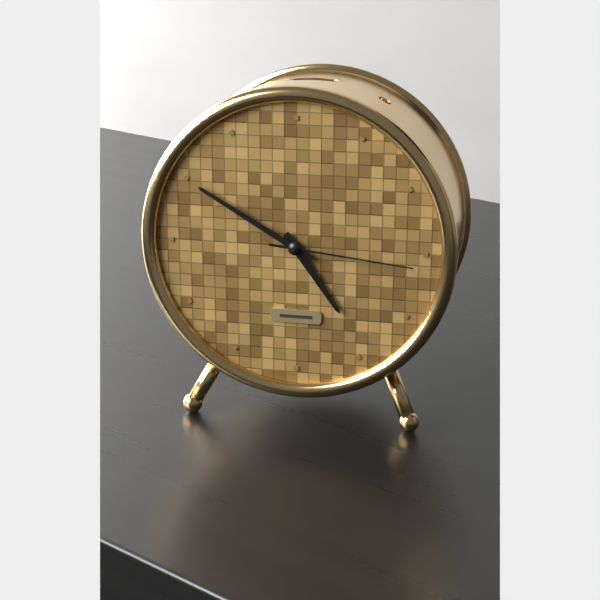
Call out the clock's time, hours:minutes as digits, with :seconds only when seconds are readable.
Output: 4:50:16
